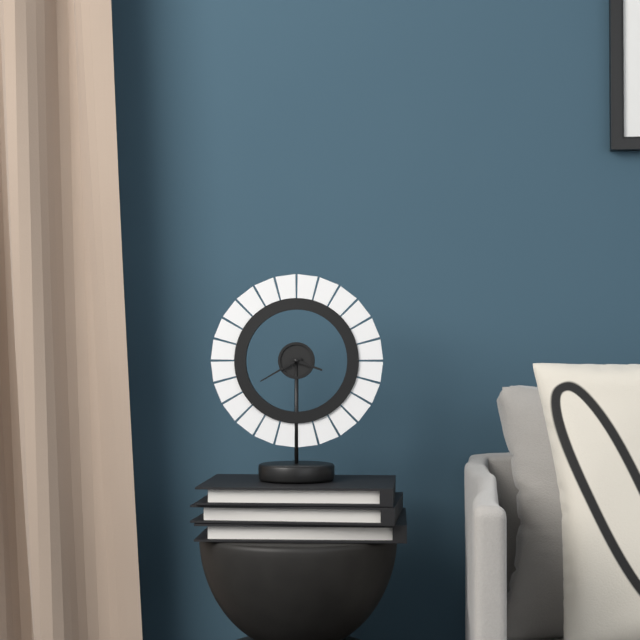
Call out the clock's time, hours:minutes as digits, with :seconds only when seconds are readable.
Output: 3:40
